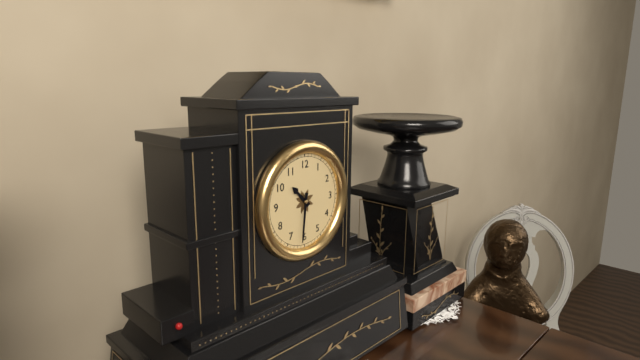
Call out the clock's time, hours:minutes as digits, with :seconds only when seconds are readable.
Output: 10:31
